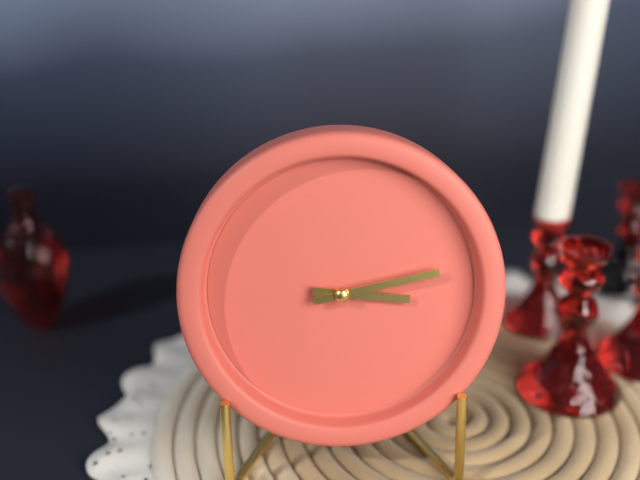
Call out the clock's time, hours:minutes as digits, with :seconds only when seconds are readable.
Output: 3:13
